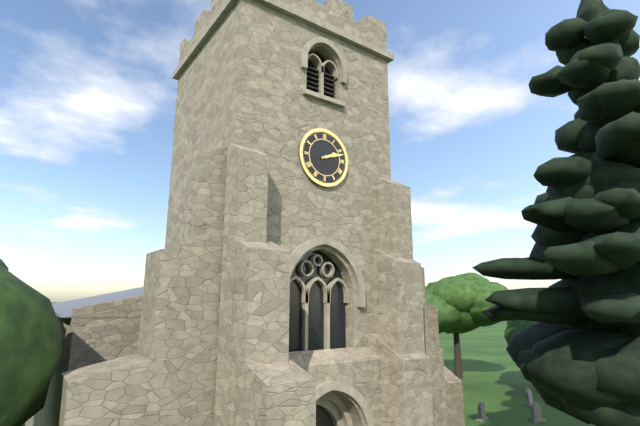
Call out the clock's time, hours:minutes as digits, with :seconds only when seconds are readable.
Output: 2:12
